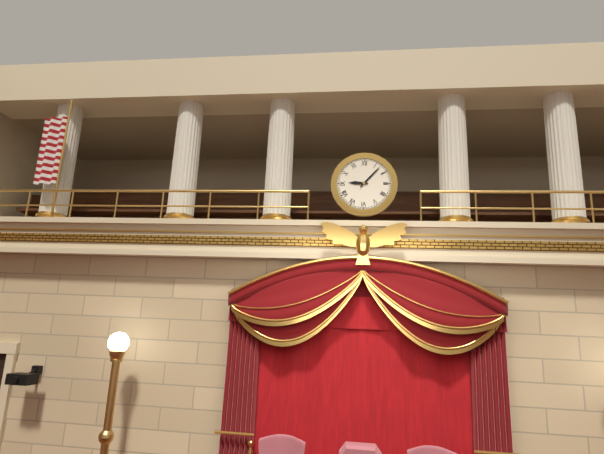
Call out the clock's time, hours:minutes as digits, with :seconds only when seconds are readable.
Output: 9:07
